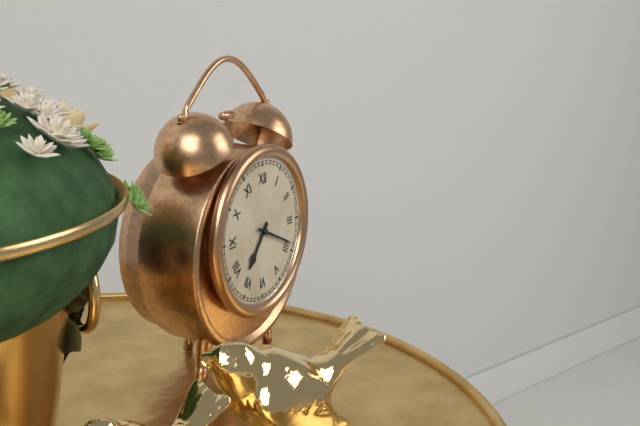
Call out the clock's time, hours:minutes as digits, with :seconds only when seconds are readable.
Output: 7:19
